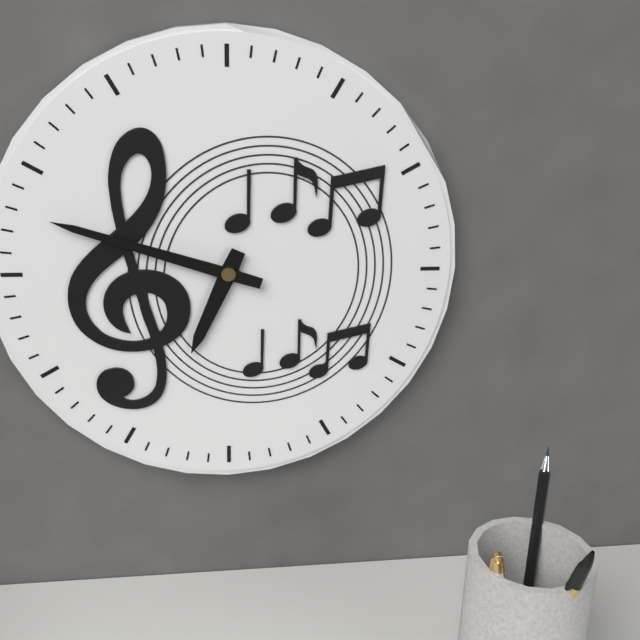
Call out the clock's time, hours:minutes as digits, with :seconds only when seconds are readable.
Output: 6:48
